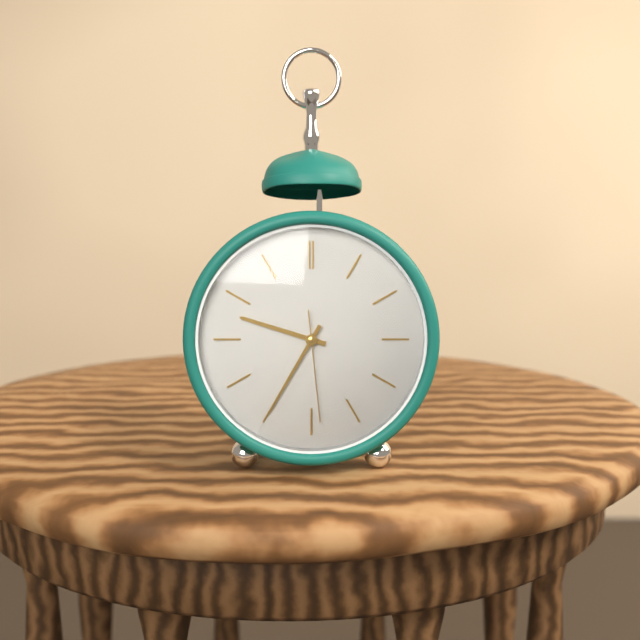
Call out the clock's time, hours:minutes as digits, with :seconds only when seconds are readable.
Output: 9:35:29
